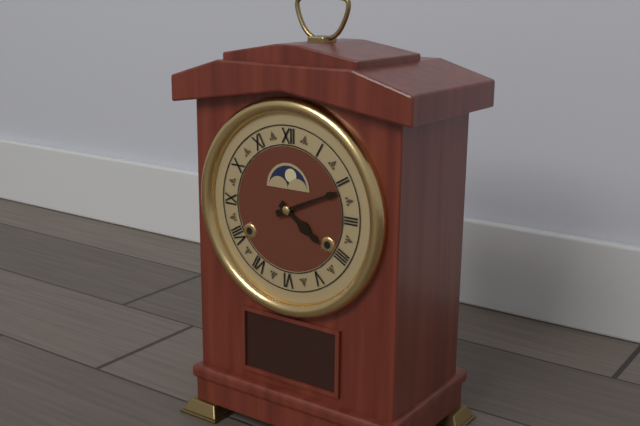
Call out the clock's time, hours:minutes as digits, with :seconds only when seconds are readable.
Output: 4:11
